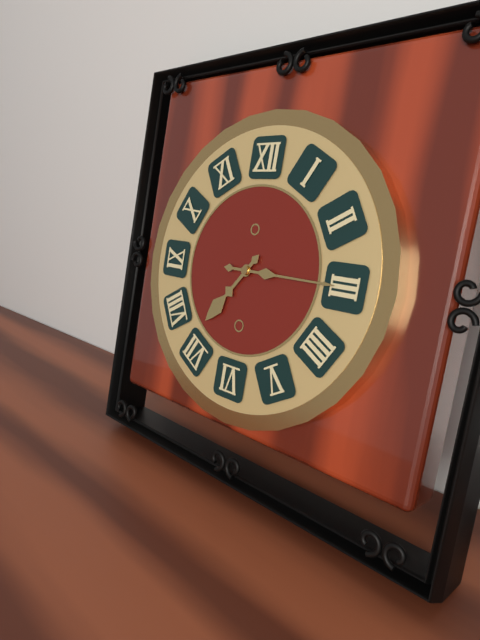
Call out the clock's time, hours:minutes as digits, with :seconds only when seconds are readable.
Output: 7:15
